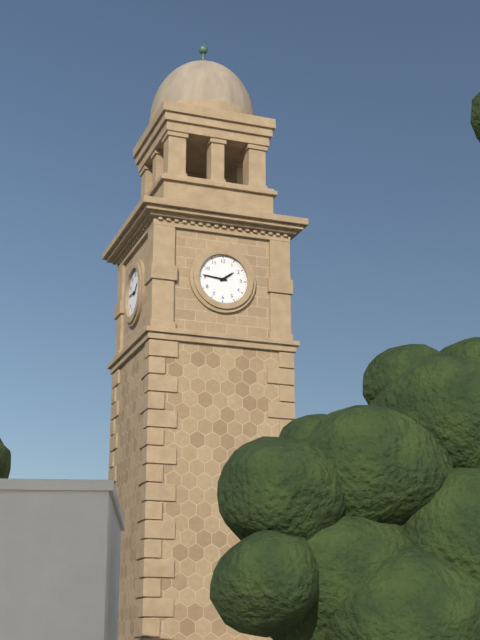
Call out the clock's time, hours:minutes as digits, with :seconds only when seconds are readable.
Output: 1:46
